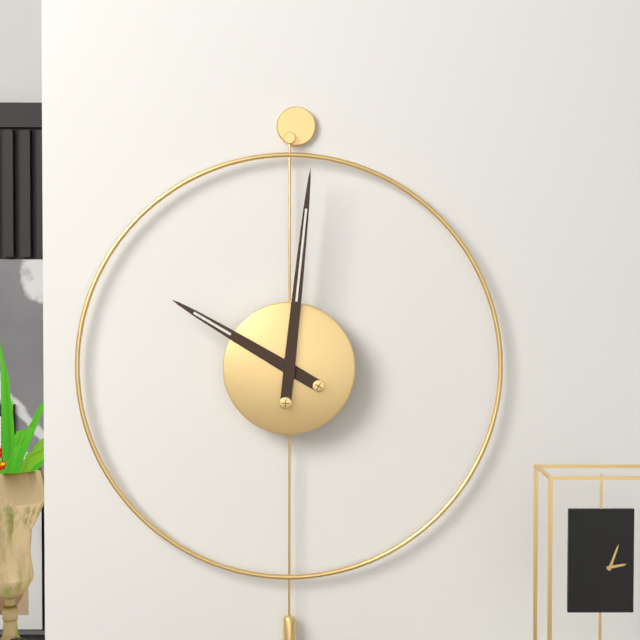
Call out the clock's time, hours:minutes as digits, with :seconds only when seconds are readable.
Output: 10:01
